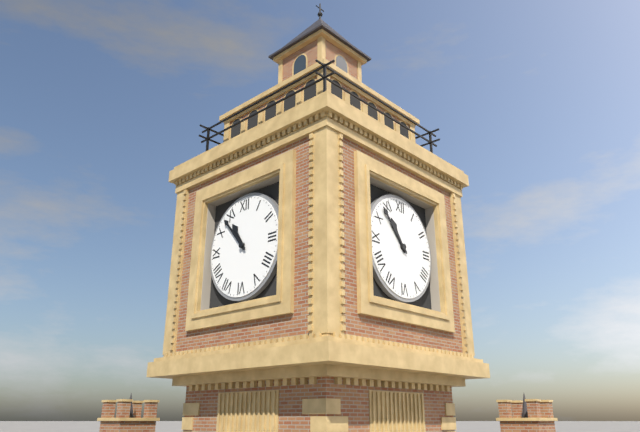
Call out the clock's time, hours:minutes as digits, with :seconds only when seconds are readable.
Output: 10:53
